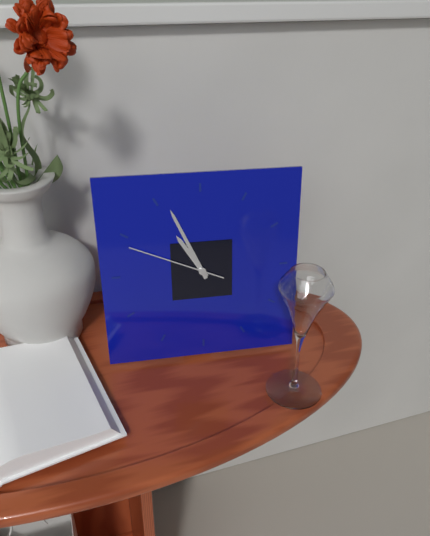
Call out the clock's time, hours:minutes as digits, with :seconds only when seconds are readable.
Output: 10:56:49
